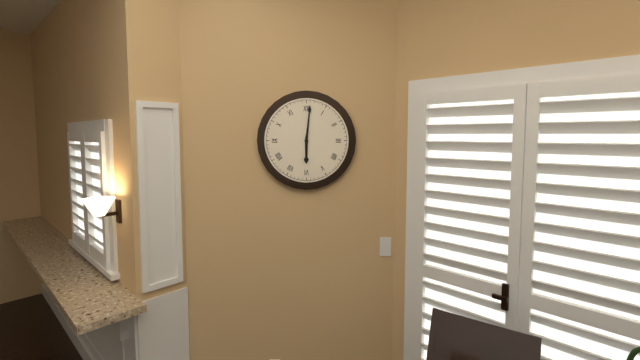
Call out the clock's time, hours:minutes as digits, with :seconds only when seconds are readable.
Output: 6:01
